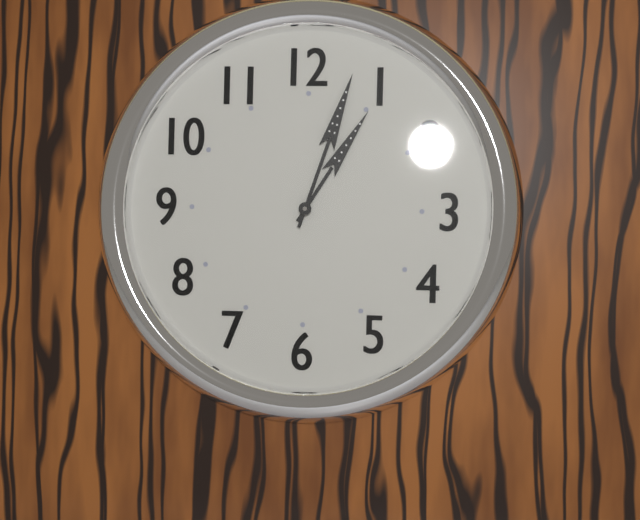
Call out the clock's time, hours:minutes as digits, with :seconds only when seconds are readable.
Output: 1:03
